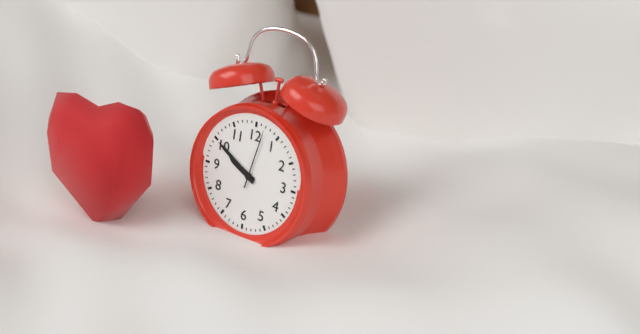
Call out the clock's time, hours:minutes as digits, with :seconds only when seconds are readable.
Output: 9:50:02
